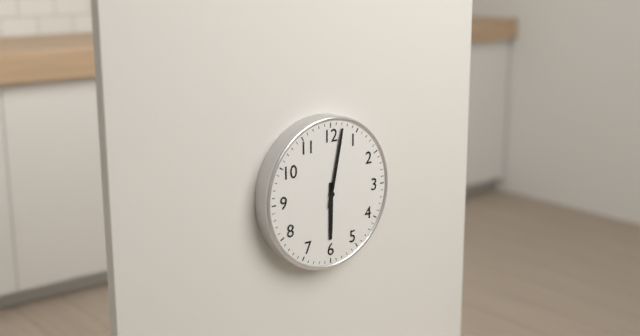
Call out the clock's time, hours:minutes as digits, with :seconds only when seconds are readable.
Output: 6:02
